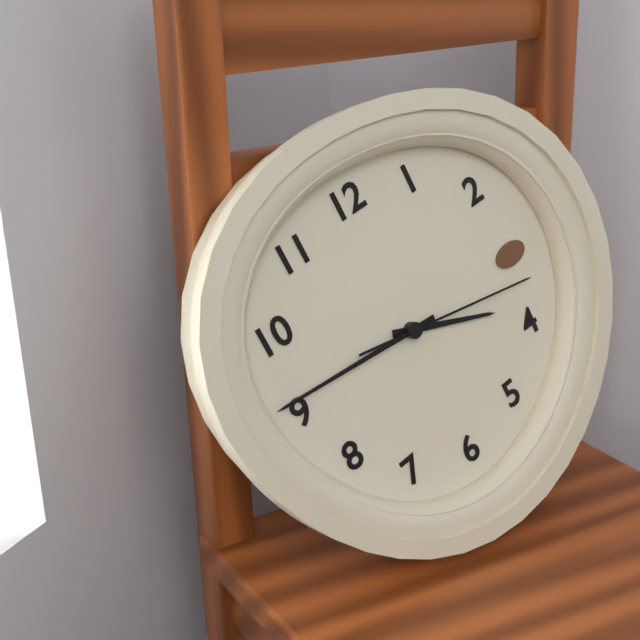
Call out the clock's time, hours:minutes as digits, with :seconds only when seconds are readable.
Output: 3:46:17
